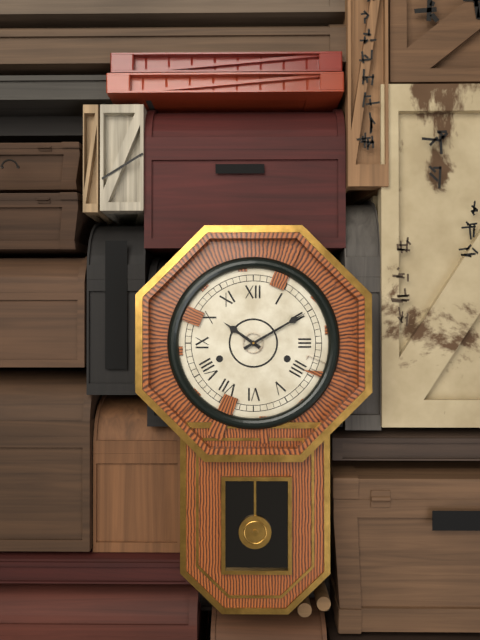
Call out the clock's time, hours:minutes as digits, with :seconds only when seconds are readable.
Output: 10:10
